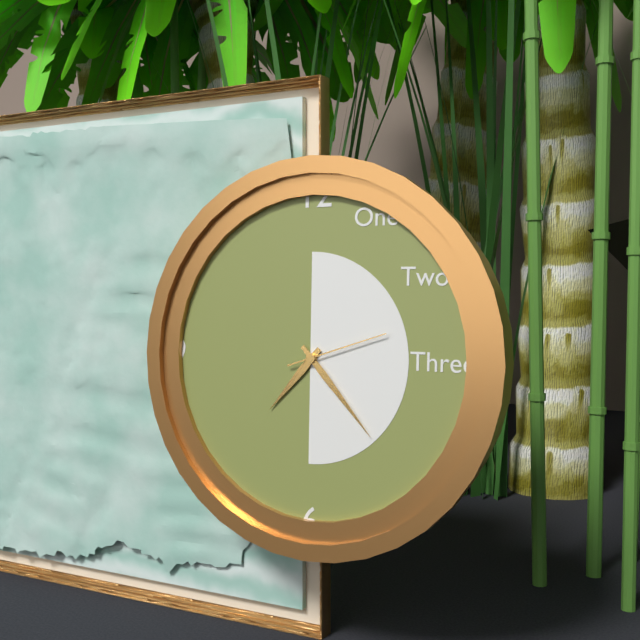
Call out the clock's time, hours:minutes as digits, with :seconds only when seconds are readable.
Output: 7:23:12
